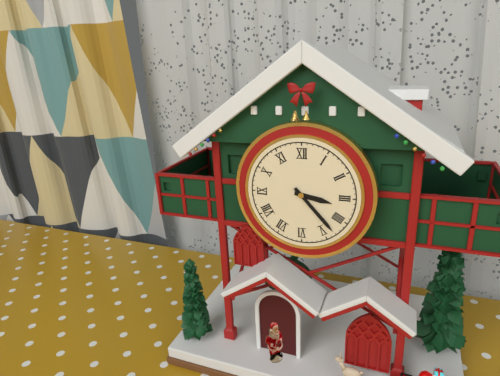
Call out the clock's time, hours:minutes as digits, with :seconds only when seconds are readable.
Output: 3:23
